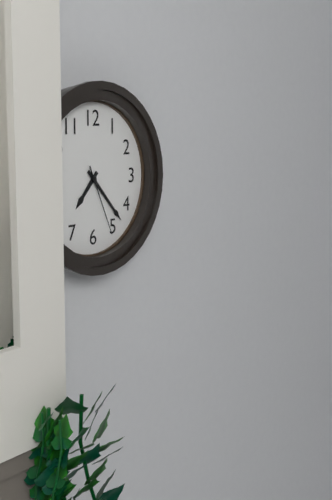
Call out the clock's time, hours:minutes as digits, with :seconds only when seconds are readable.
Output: 7:23:26
